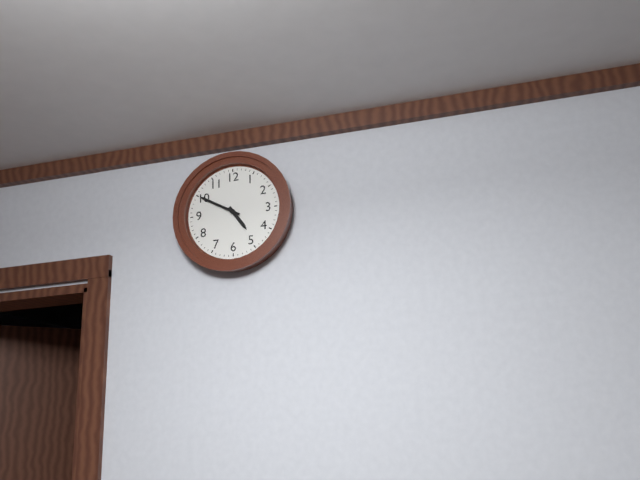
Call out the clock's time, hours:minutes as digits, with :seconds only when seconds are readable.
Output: 4:50
